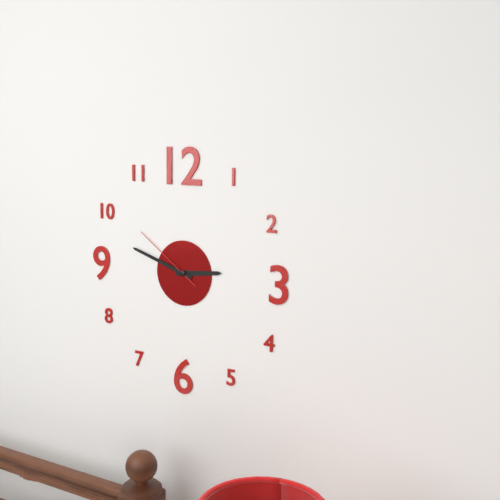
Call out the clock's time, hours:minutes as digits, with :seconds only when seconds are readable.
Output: 2:48:51
